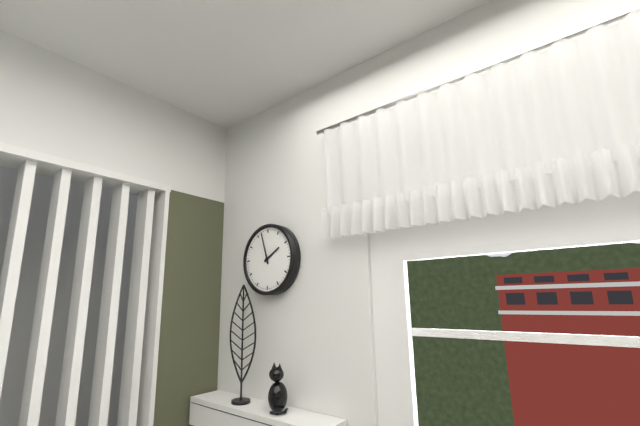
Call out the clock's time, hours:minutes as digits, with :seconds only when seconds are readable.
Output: 1:57
